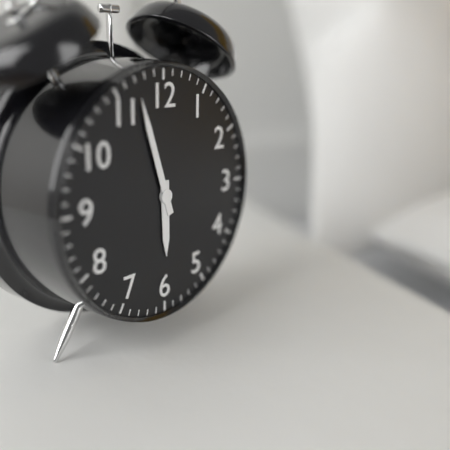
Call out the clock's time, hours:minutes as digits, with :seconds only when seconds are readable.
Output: 5:57
